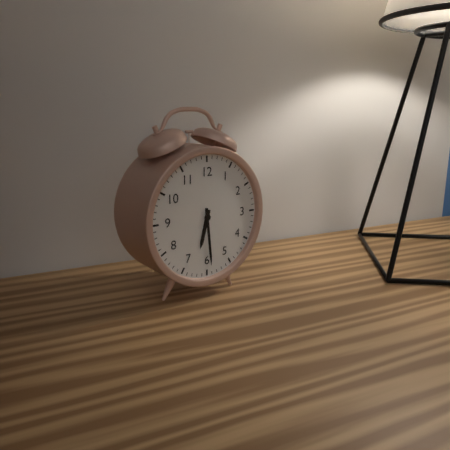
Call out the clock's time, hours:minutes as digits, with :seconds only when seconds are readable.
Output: 6:29
